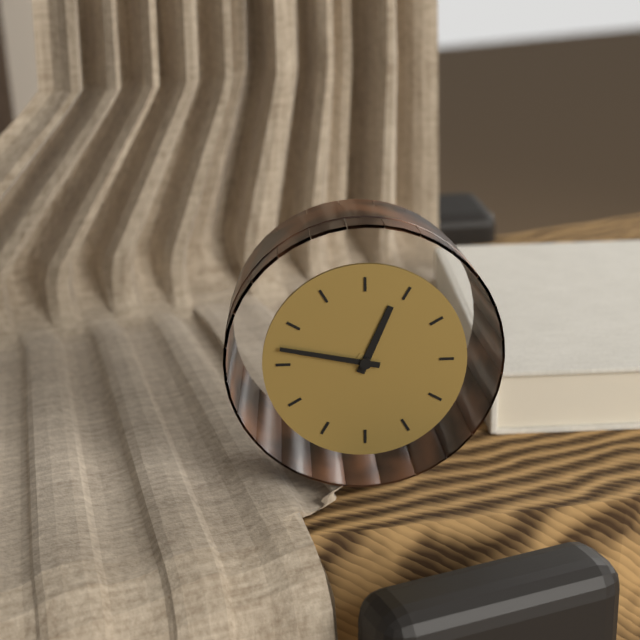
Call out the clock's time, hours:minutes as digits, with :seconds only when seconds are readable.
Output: 12:47
